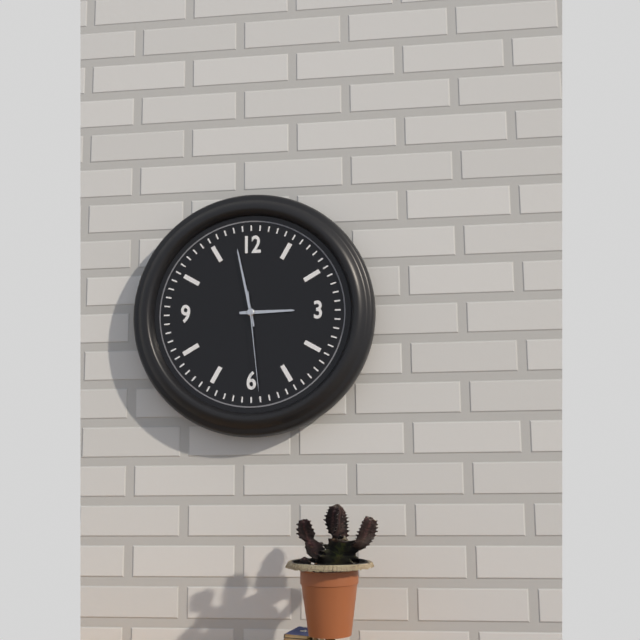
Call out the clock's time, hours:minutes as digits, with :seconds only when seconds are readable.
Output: 2:58:29
